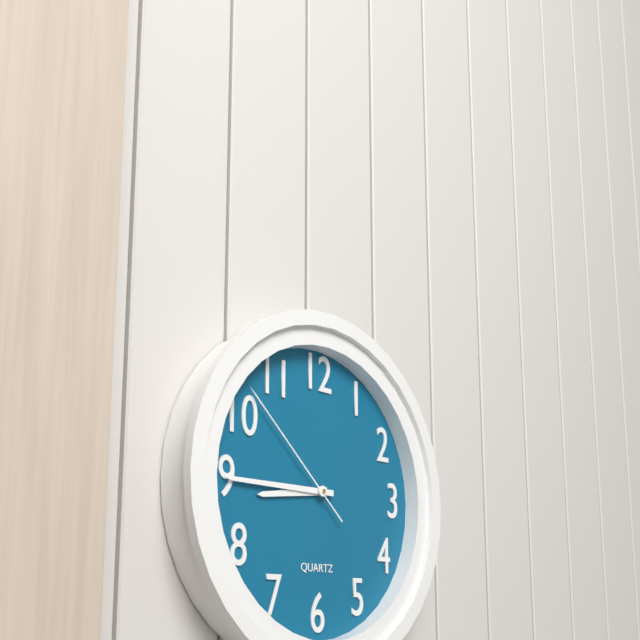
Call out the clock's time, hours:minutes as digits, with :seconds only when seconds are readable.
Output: 8:45:52
